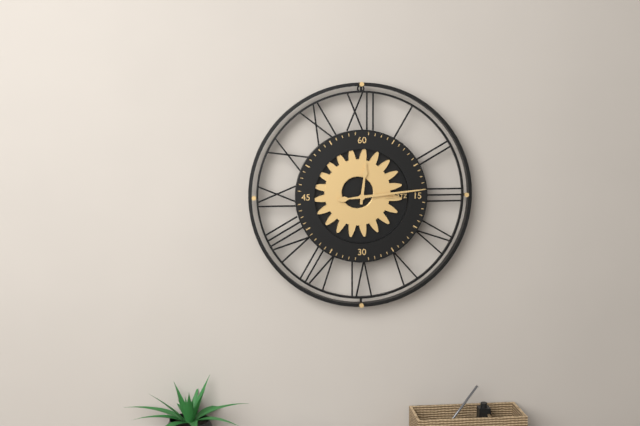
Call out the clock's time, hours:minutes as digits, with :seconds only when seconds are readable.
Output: 12:14
